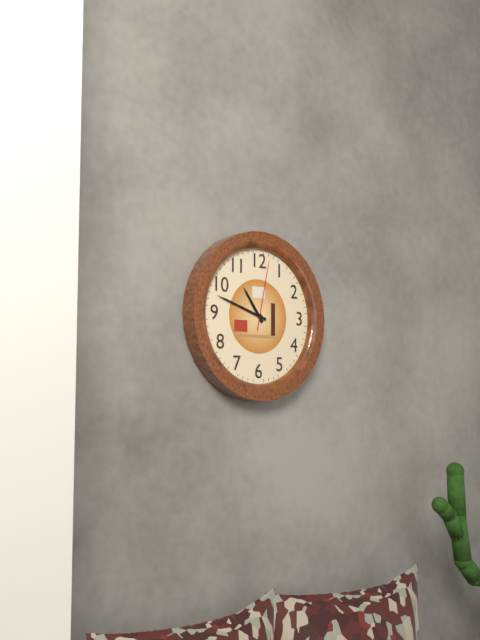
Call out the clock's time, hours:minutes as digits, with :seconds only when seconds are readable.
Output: 10:48:02
